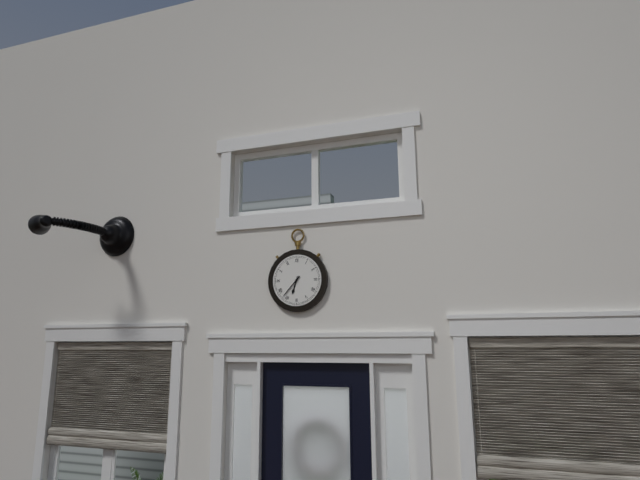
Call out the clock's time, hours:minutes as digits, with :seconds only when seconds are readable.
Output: 6:37
